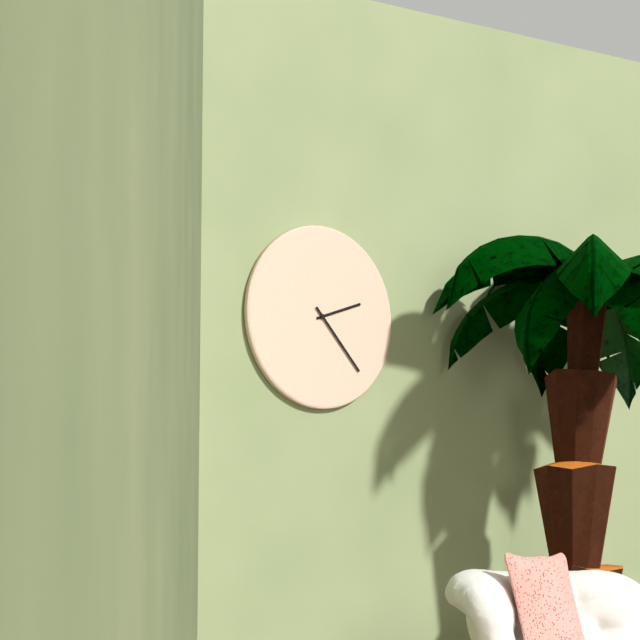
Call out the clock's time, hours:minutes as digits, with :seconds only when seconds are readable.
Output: 2:23
